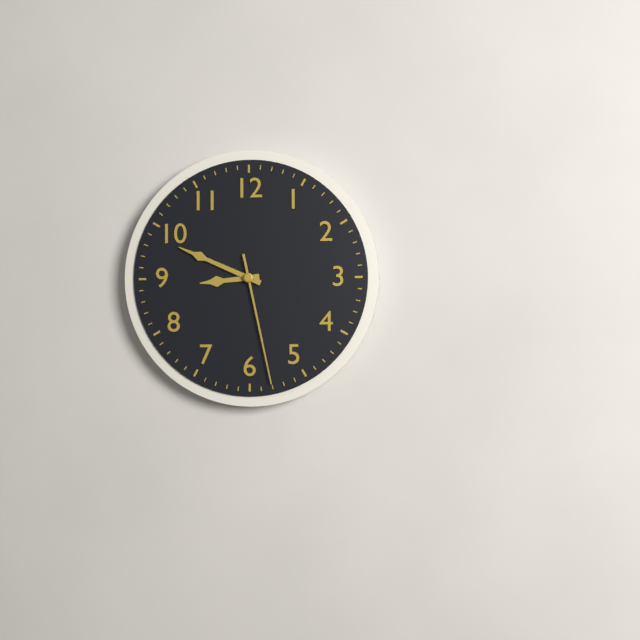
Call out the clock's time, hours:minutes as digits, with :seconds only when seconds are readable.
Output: 8:49:28
